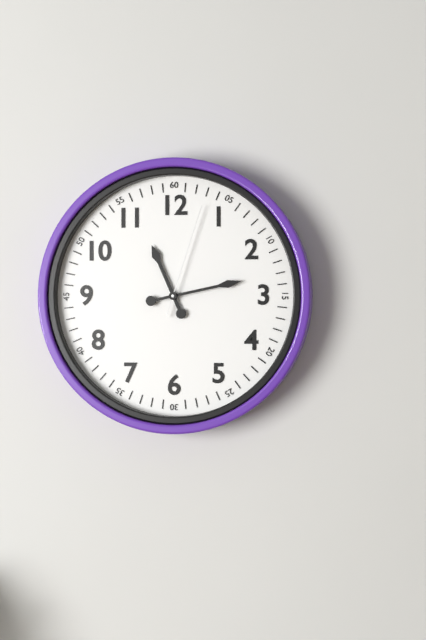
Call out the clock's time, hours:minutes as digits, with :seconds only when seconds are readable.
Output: 11:13:03
